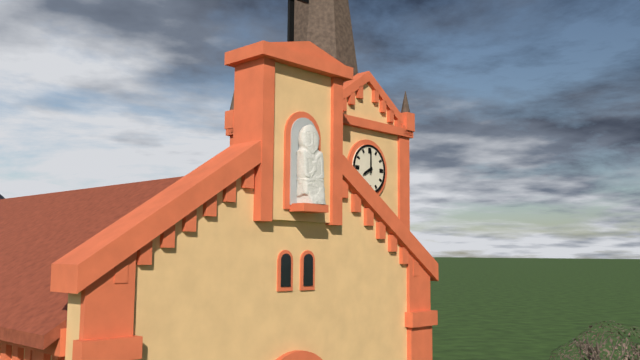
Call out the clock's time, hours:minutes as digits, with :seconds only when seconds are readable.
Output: 8:00
